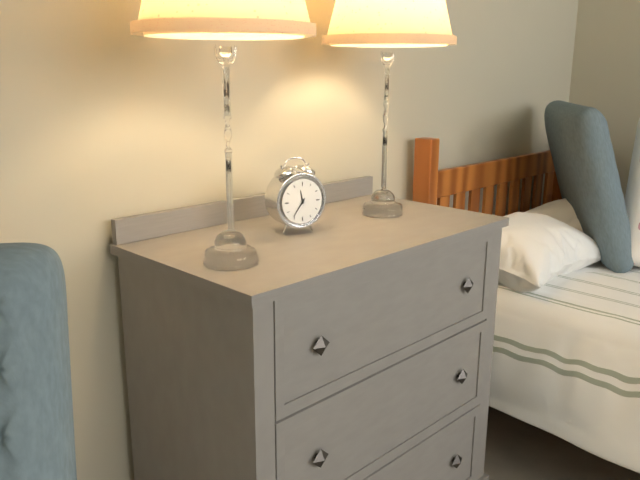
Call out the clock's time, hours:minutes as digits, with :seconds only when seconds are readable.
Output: 11:36
